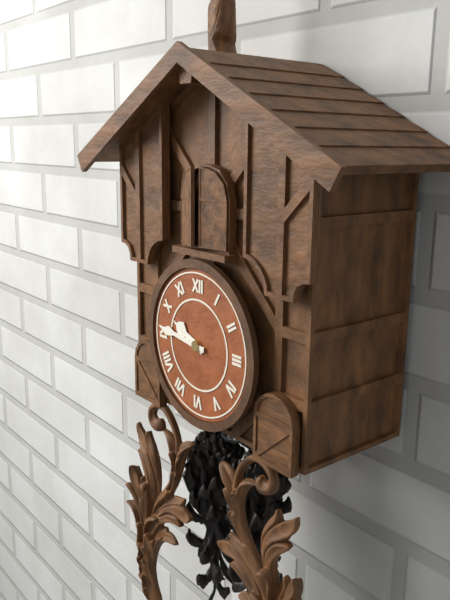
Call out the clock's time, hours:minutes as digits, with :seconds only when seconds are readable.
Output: 9:46
